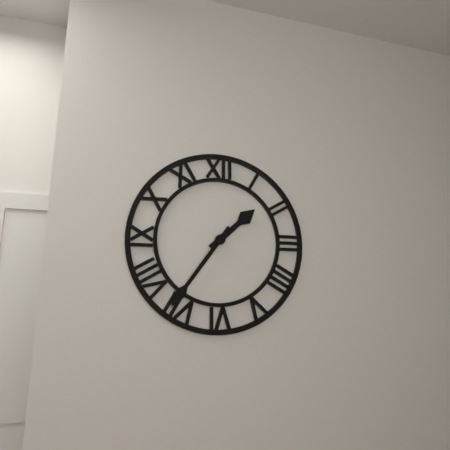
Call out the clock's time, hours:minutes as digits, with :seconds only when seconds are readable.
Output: 1:36
